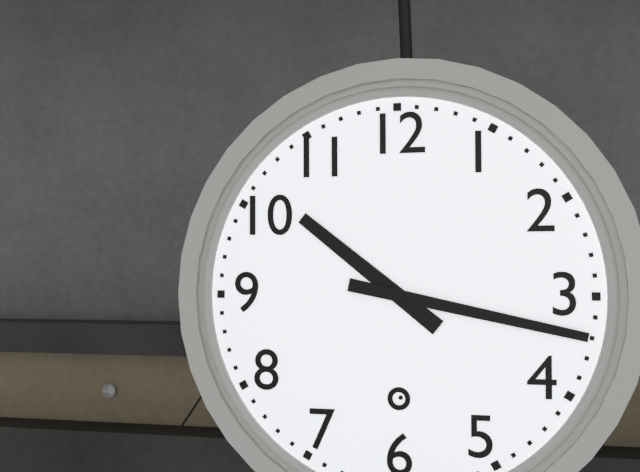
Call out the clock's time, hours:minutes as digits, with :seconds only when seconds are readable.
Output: 10:17
